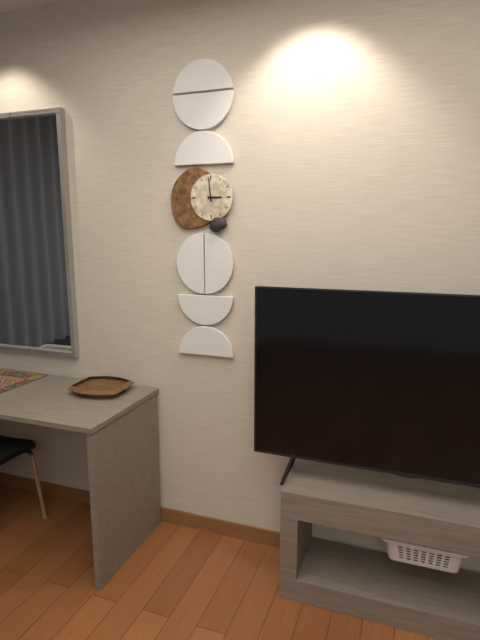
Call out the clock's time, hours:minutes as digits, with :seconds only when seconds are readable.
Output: 2:59
